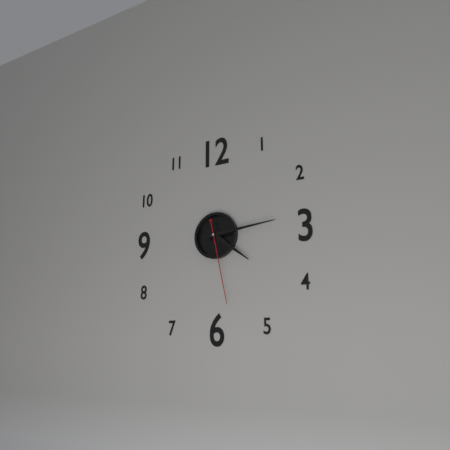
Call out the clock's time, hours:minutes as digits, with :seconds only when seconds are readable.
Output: 4:14:28
